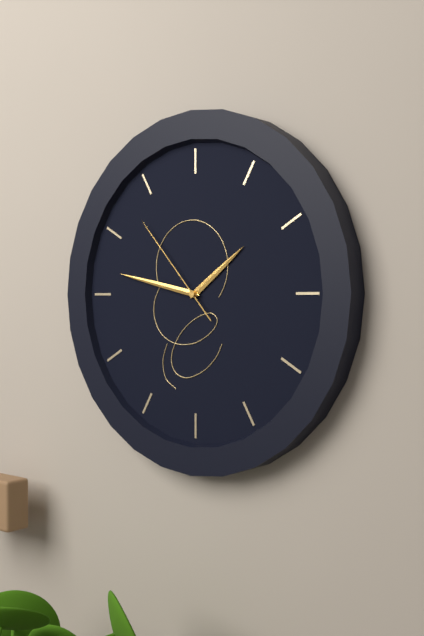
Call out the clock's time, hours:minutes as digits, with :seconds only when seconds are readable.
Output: 1:47:53
